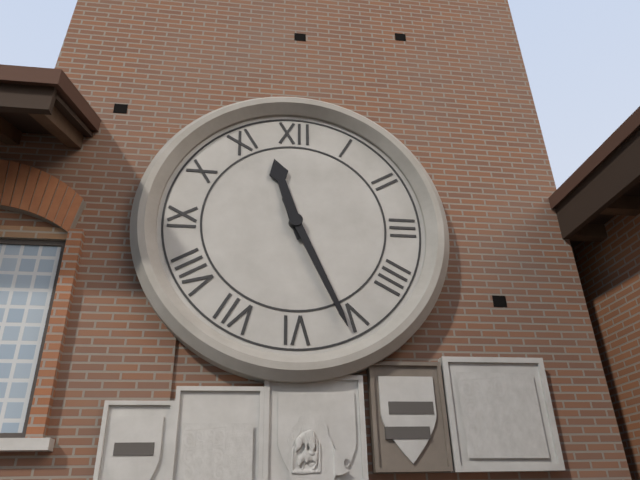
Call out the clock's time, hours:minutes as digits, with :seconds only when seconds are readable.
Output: 11:26
